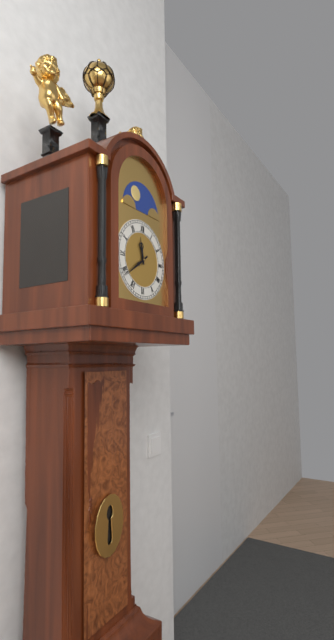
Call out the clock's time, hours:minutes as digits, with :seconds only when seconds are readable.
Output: 11:39
